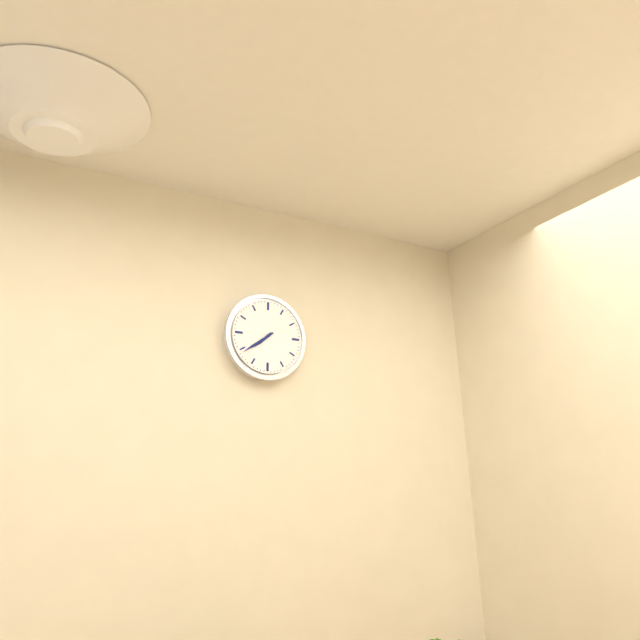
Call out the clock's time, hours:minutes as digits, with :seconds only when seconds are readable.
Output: 7:39
